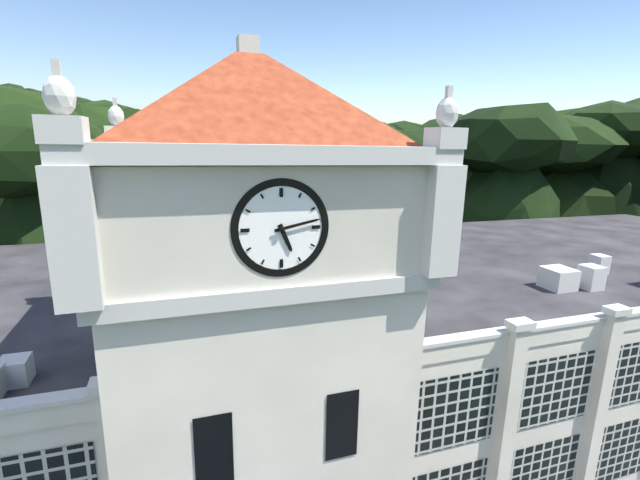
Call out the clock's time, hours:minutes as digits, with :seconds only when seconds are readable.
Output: 5:13
